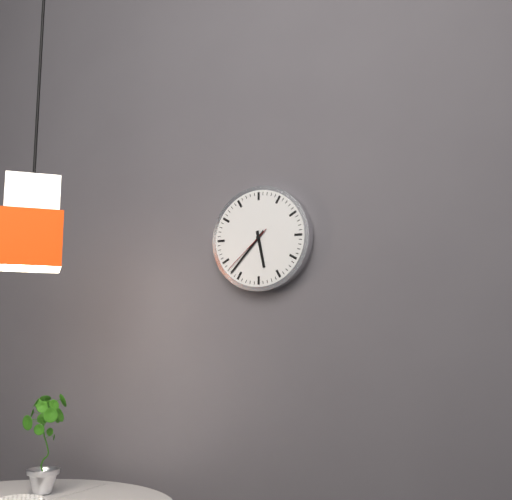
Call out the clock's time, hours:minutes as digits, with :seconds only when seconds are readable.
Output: 5:37:38
